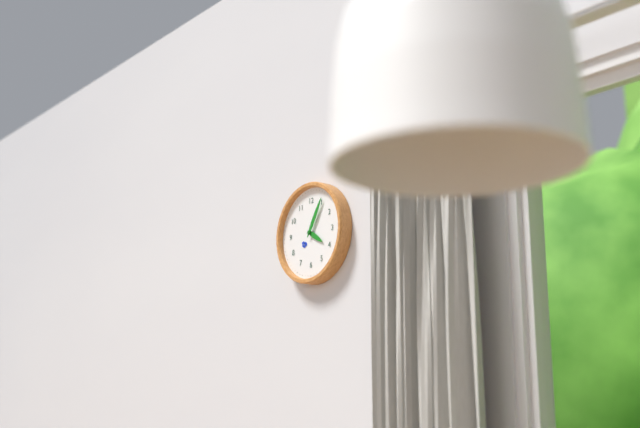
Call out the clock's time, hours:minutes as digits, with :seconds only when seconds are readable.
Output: 4:05
